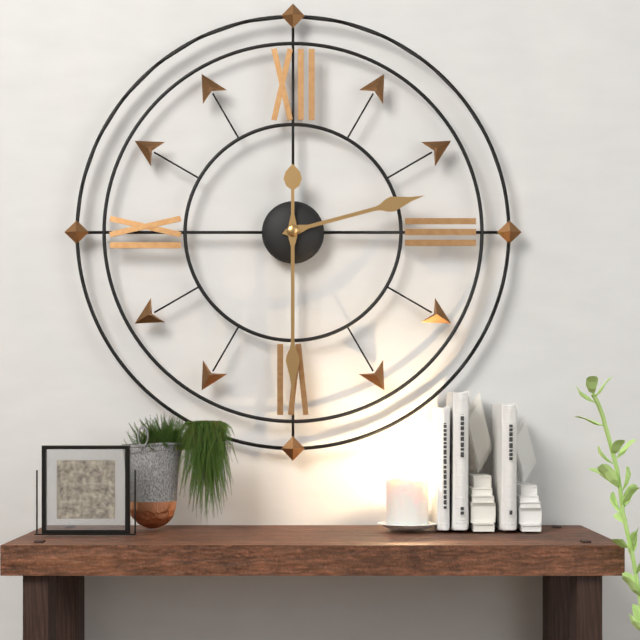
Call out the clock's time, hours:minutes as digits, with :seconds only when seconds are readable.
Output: 2:30
